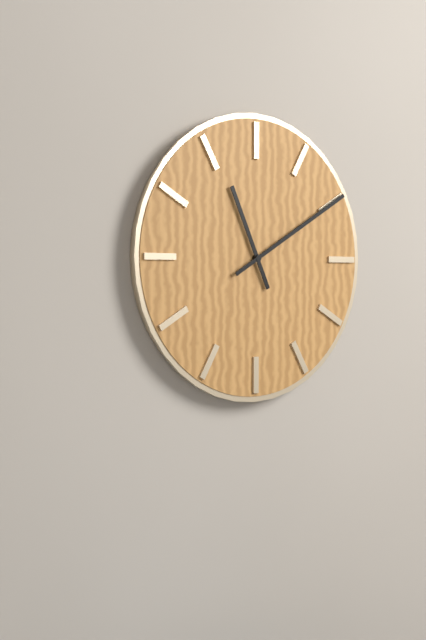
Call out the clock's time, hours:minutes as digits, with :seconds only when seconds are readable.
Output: 11:10
